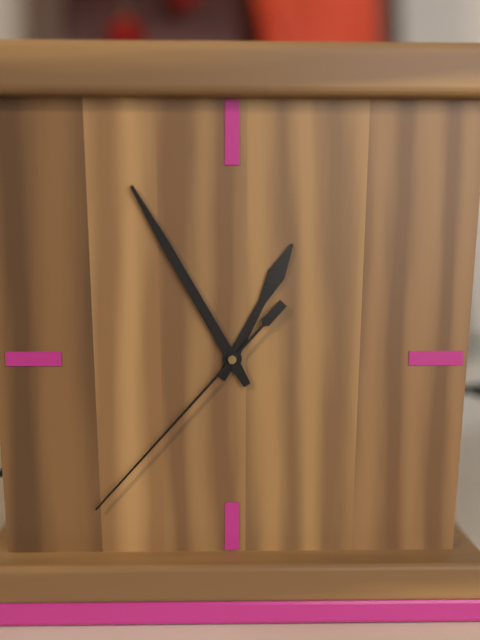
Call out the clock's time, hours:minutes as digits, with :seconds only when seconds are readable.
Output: 12:55:37
